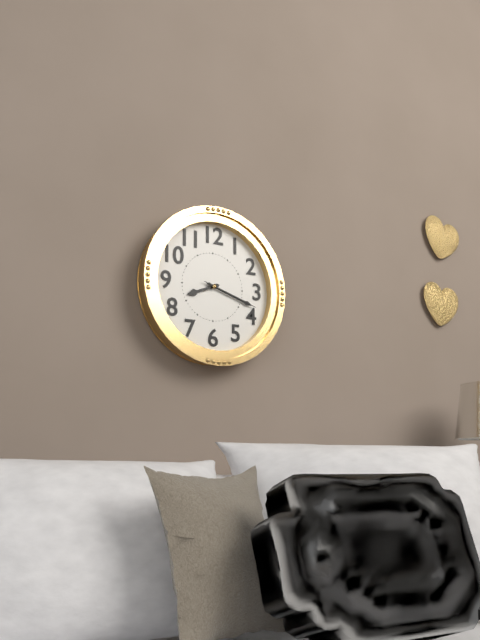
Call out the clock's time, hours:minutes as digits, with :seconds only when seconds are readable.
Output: 8:18:18
